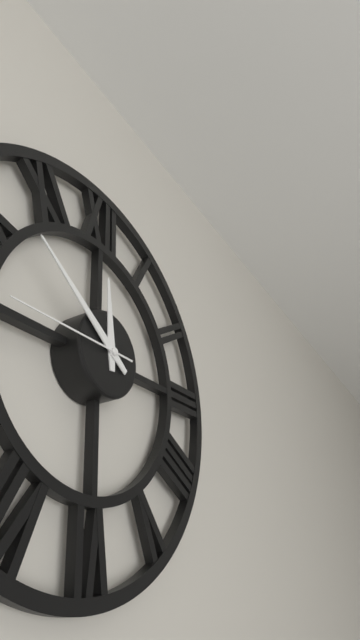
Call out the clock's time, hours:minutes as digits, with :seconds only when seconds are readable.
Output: 11:51:45
